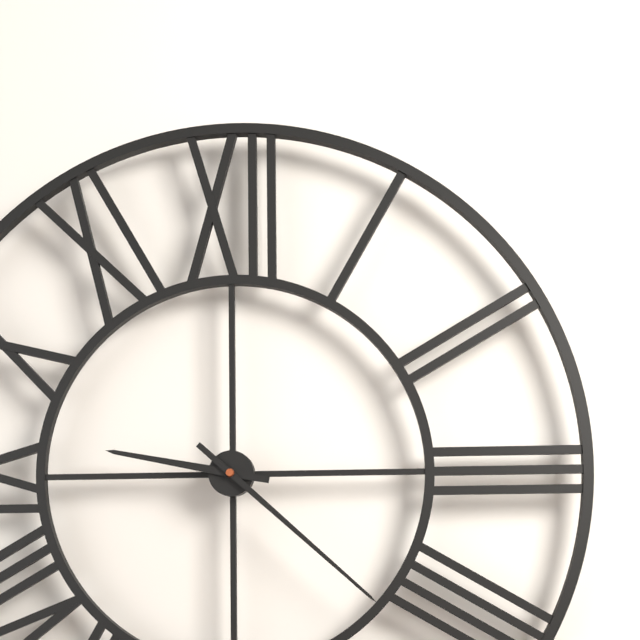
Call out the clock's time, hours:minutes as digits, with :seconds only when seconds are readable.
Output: 9:22
